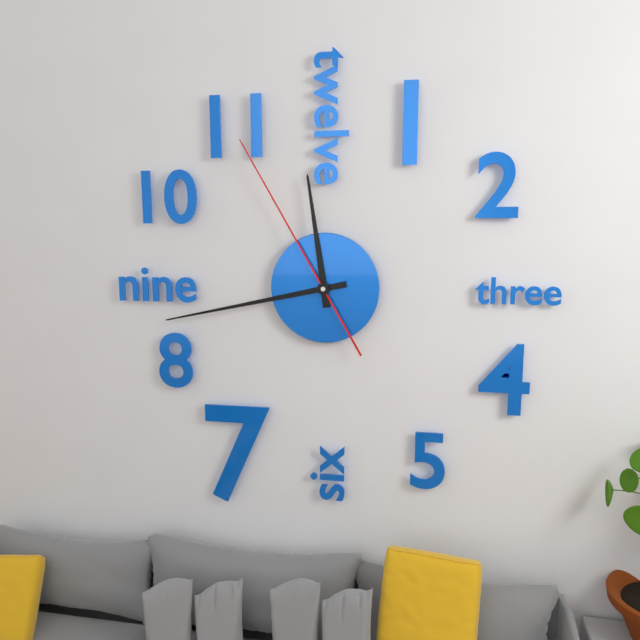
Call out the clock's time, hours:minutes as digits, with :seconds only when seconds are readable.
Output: 11:43:55
